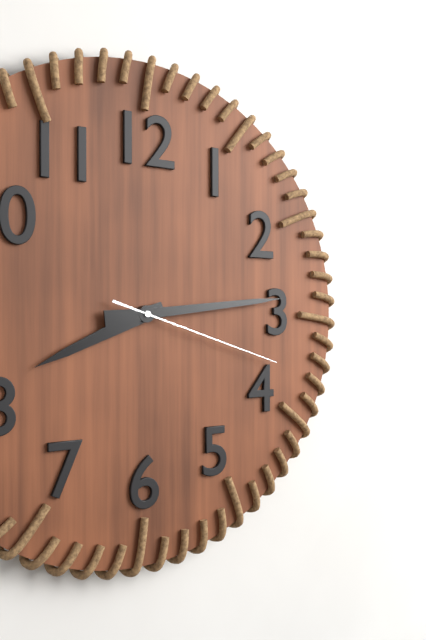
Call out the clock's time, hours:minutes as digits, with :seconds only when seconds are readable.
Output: 8:14:18
